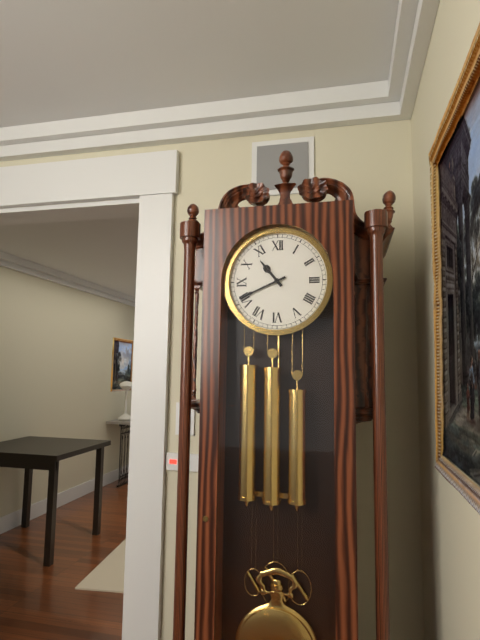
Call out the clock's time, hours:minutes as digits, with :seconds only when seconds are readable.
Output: 10:41
